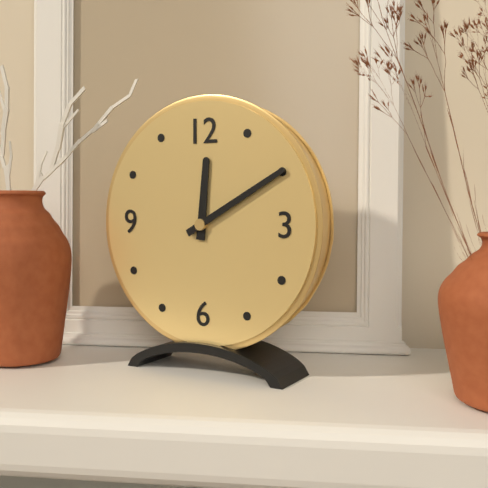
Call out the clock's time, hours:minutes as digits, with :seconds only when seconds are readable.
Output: 12:10
